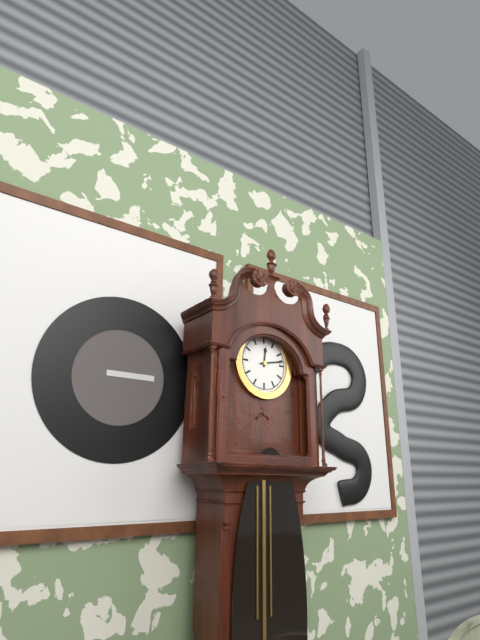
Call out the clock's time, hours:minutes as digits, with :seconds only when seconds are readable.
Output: 12:13
